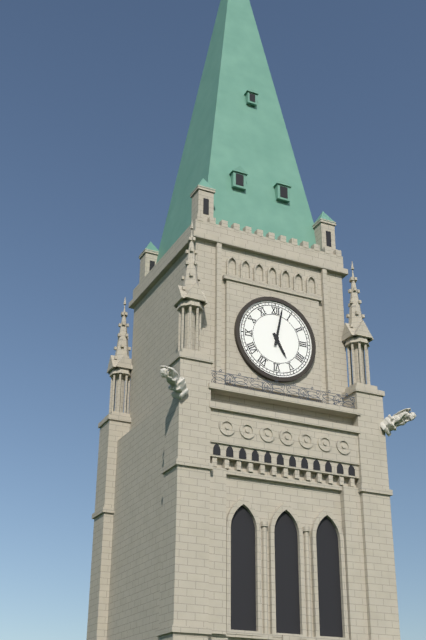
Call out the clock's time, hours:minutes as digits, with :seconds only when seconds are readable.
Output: 5:02
